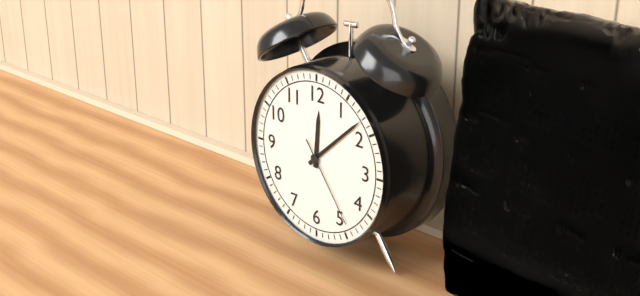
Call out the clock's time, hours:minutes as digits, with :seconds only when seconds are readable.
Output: 12:08:24
